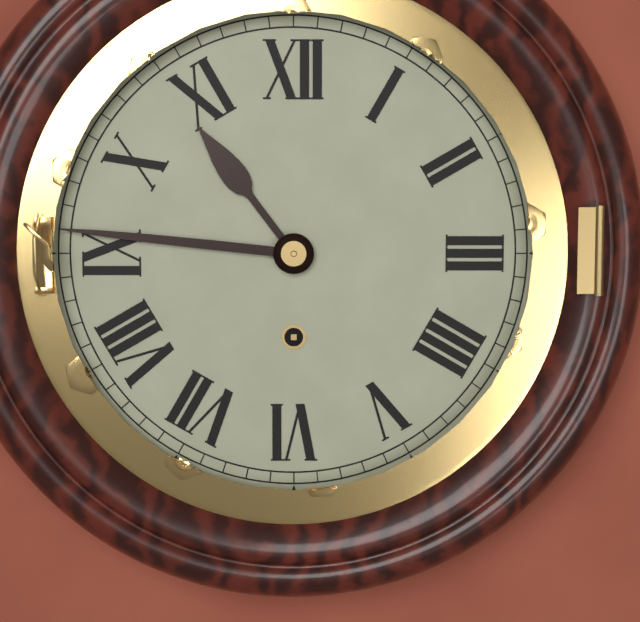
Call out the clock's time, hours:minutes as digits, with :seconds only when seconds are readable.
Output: 10:46
